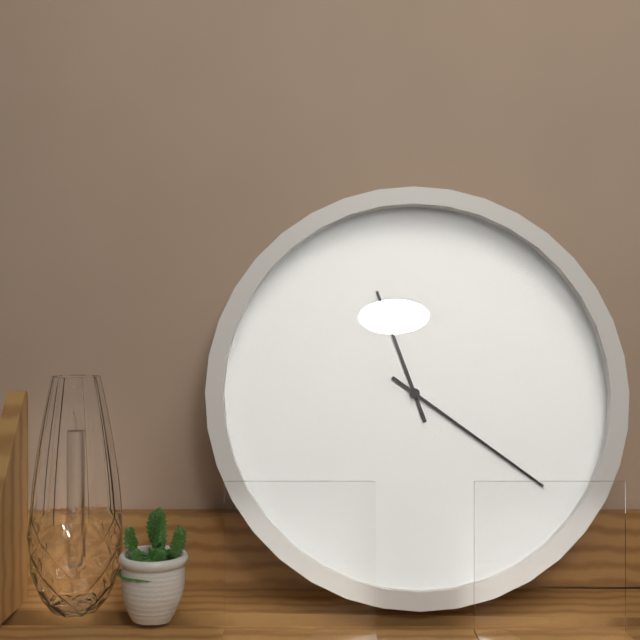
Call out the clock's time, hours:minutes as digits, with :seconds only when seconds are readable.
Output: 11:21
